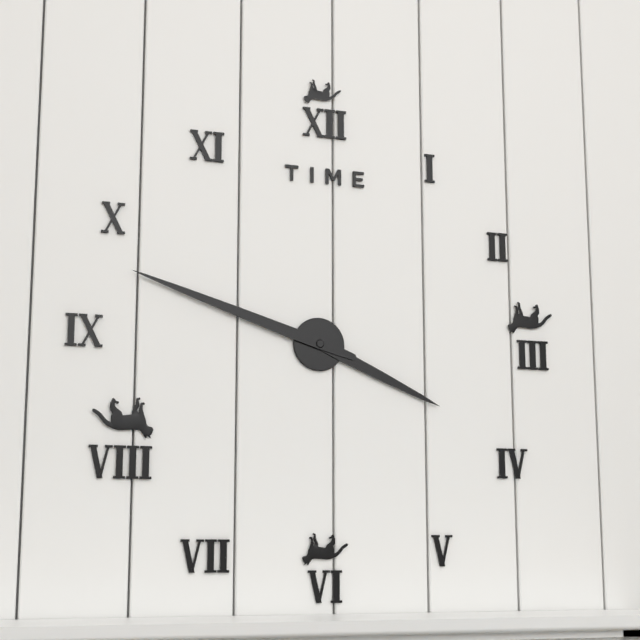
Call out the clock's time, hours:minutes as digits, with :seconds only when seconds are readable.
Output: 3:48
